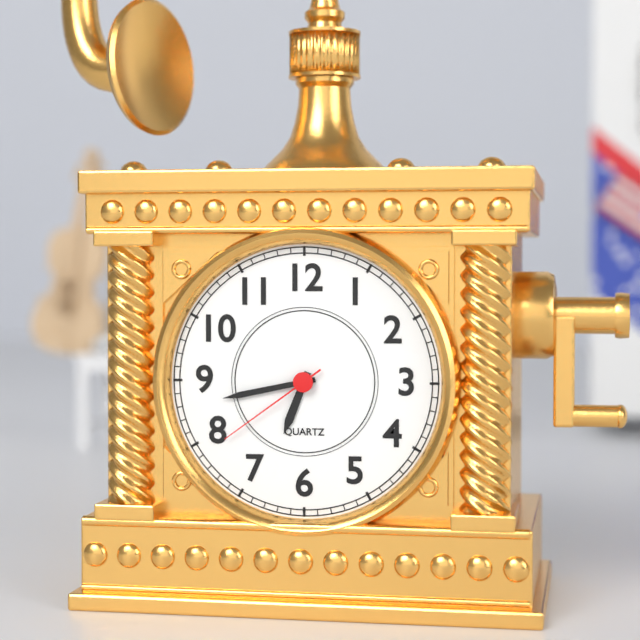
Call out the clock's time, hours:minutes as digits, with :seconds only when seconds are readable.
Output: 6:43:39
